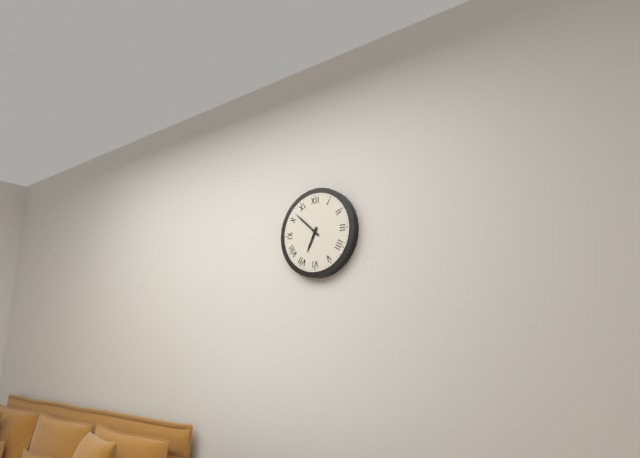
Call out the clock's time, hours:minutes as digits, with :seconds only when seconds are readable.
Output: 6:52
